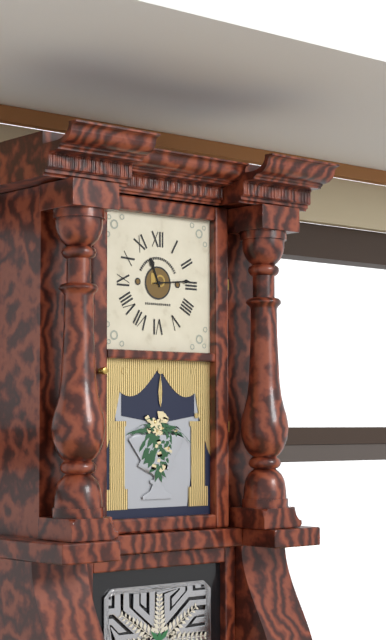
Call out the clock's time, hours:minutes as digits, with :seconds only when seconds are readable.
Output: 11:14
